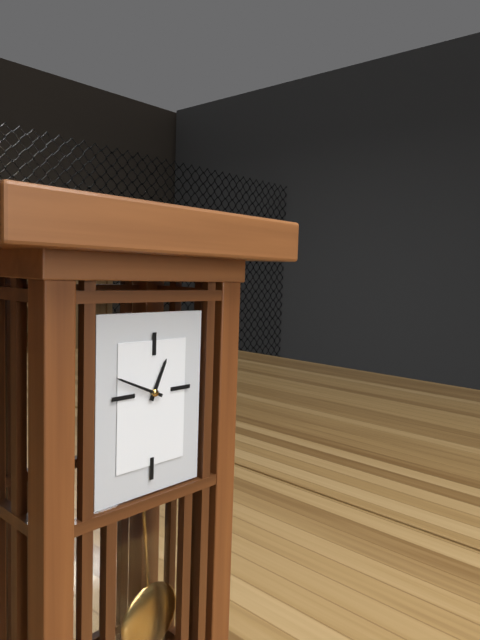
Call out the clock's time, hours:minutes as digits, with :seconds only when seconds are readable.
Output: 12:49
